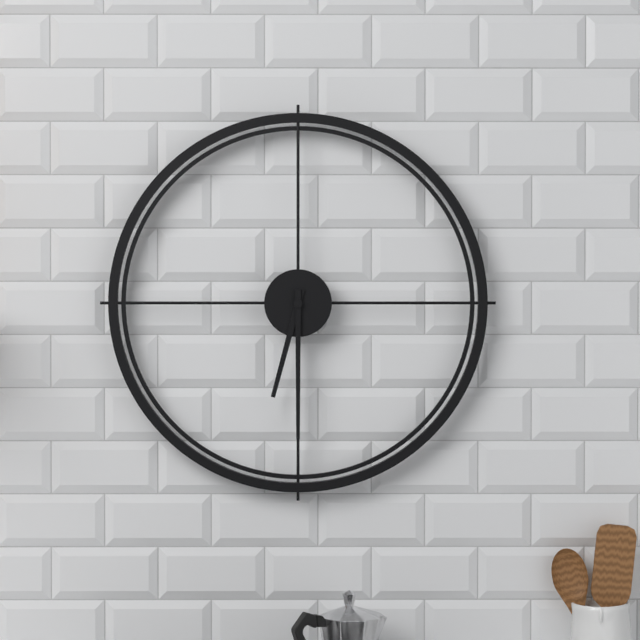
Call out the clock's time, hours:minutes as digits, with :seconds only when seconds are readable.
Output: 6:30
